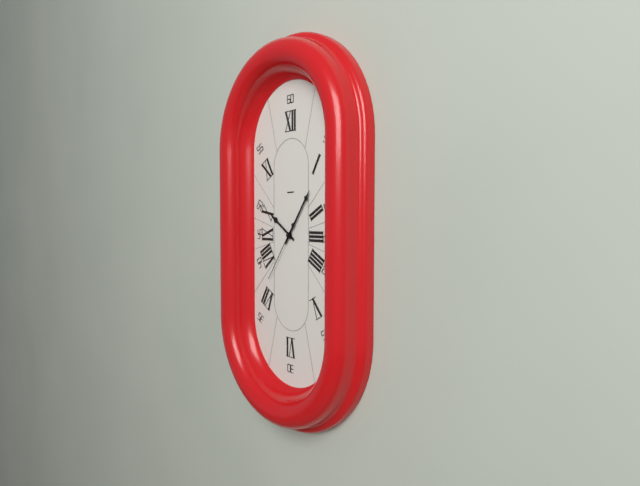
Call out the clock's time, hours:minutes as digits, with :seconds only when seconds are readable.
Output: 10:06:36
